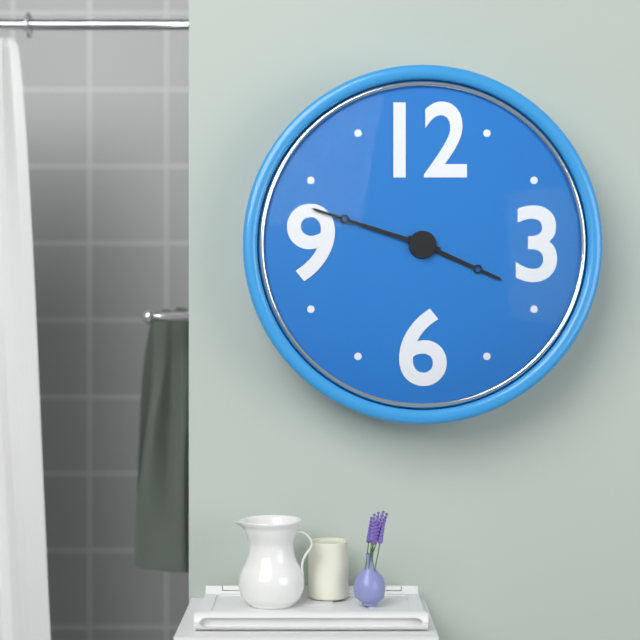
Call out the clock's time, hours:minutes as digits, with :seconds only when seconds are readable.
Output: 3:48
